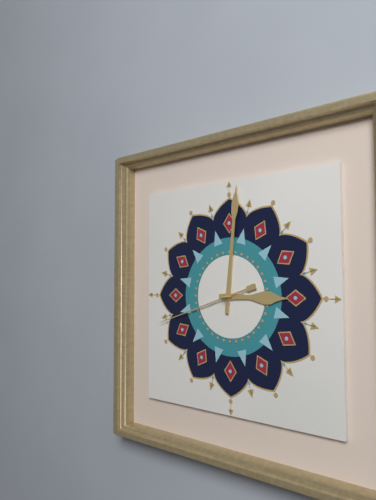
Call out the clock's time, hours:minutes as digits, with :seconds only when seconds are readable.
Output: 3:01:42
